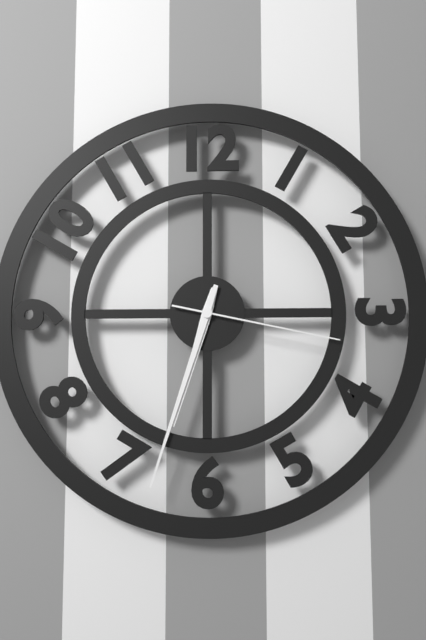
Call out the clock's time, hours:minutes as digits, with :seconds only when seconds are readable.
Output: 6:33:17
